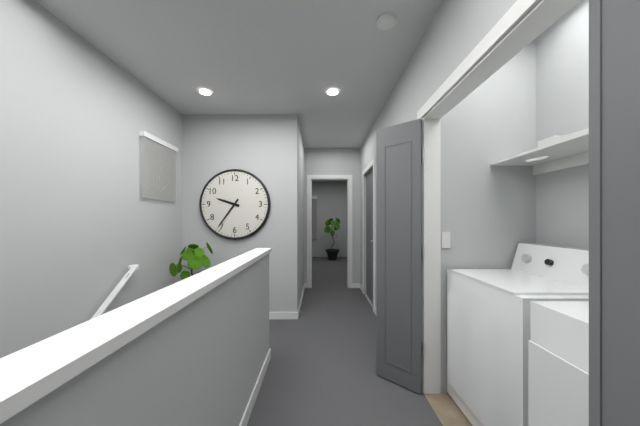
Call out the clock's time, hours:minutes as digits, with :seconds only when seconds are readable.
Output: 9:36
